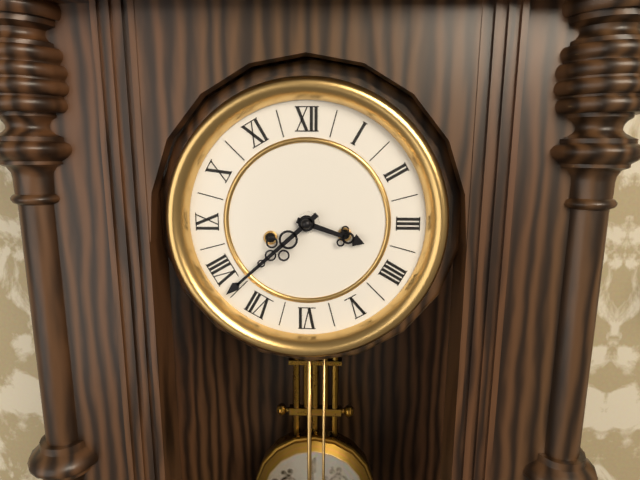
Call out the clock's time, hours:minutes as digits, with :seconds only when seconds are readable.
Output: 3:38
